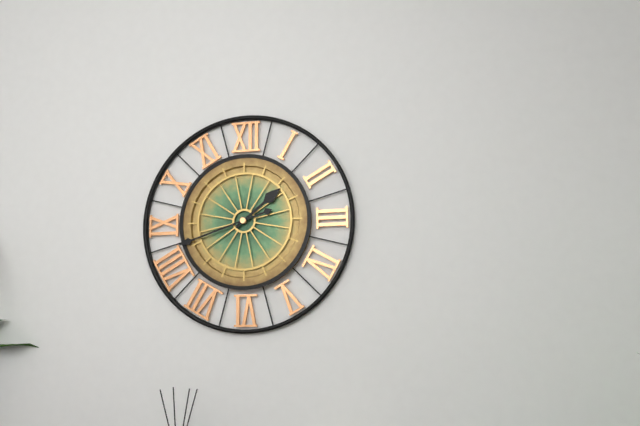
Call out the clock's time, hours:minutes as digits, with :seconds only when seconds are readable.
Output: 1:42
